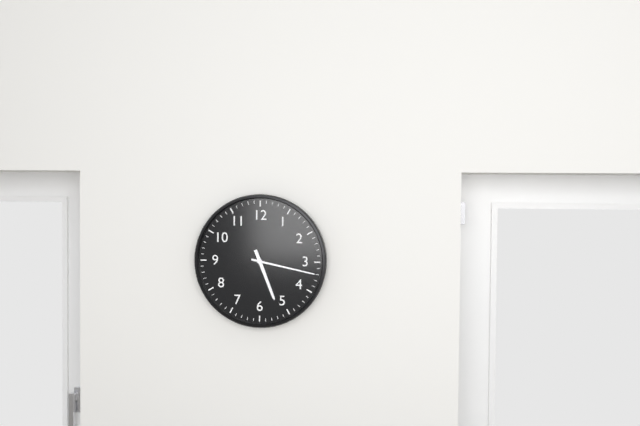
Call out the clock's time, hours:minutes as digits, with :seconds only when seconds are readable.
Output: 5:17
